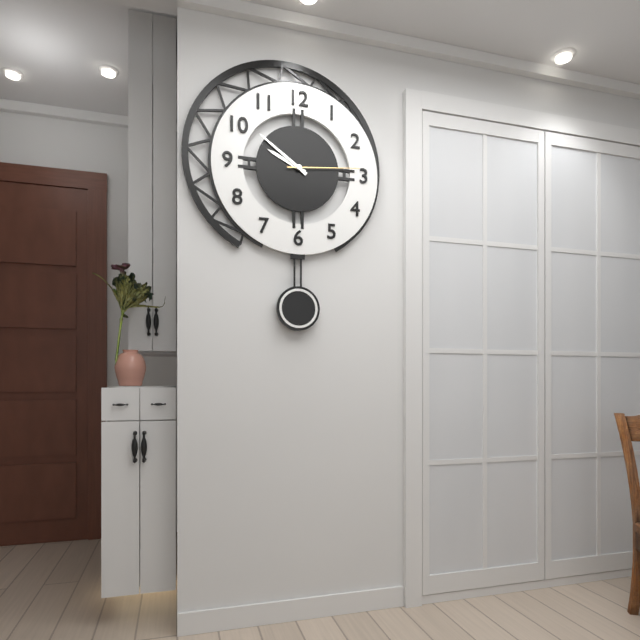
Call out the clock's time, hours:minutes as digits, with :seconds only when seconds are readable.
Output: 9:51:14
